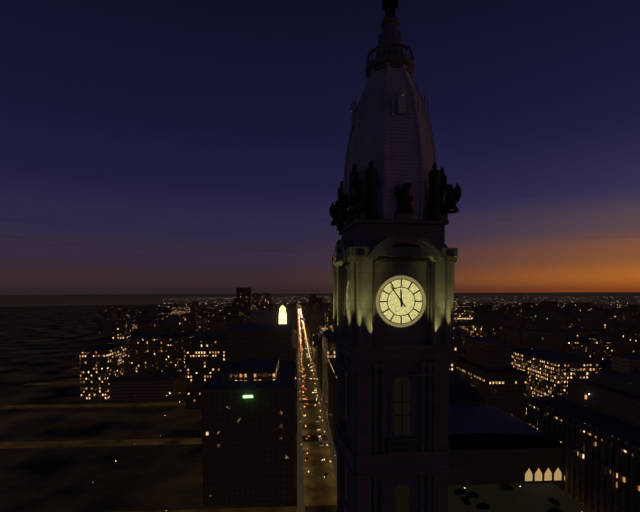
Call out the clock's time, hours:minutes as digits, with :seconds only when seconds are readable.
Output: 11:54
